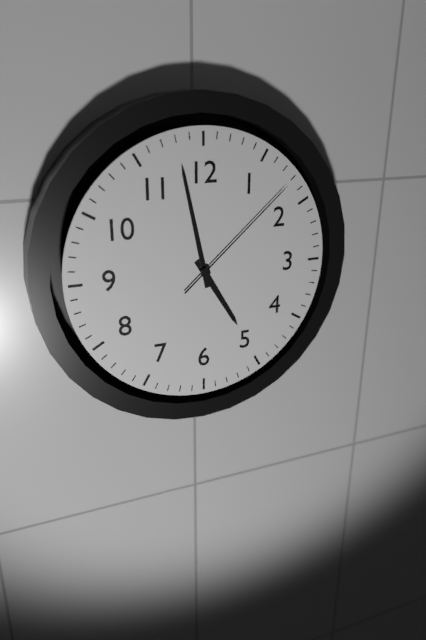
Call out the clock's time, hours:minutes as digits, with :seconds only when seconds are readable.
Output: 4:58:08
